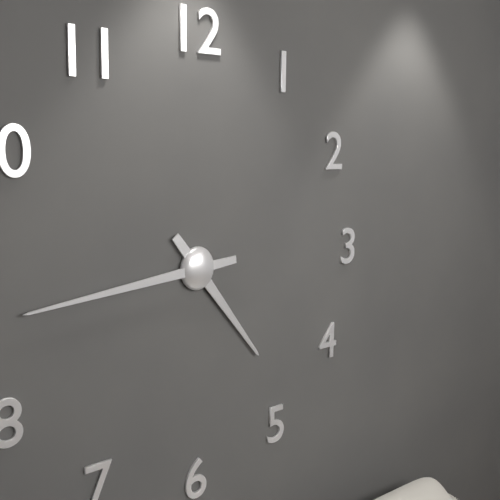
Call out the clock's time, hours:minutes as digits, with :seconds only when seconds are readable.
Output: 4:44
